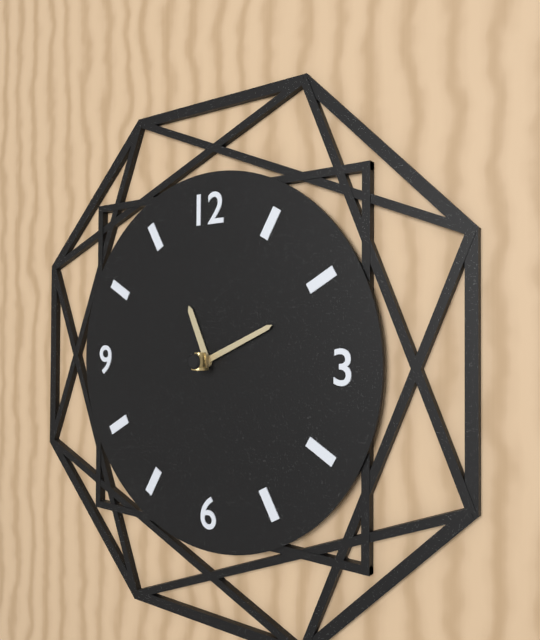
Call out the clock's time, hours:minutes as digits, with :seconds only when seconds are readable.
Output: 11:11
